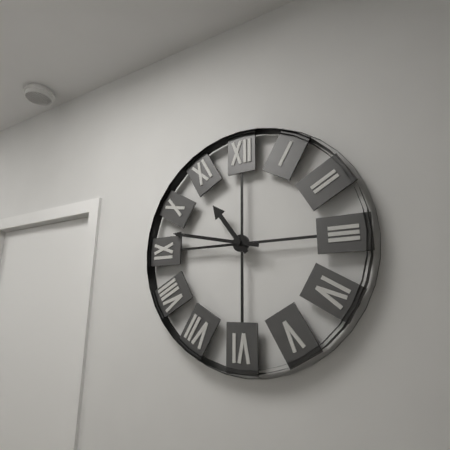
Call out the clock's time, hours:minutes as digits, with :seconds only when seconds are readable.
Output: 10:47
